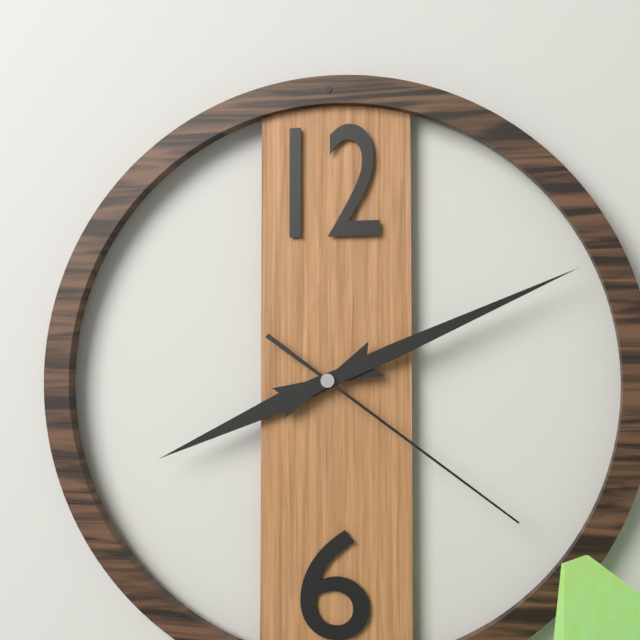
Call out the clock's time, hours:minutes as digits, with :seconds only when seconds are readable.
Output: 8:11:21
